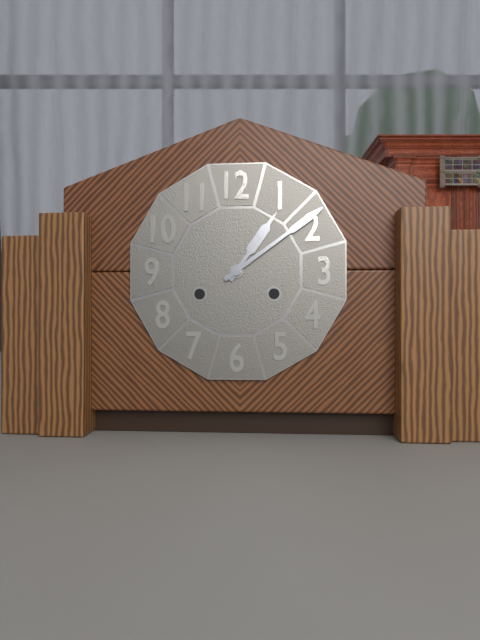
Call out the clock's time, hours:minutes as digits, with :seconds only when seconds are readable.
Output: 1:09
